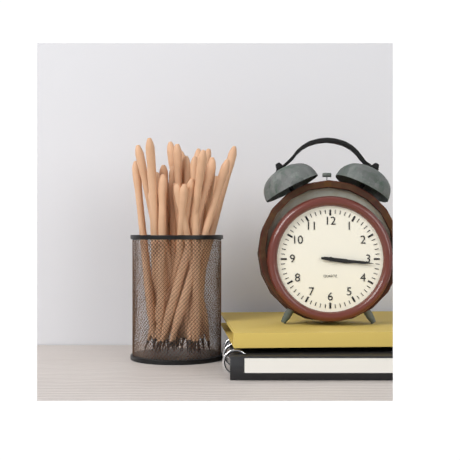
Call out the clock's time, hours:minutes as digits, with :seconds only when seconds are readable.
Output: 3:16
